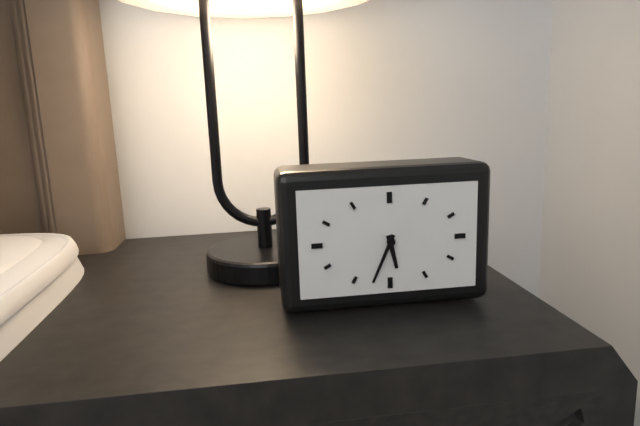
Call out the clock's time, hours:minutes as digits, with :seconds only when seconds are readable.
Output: 5:34
